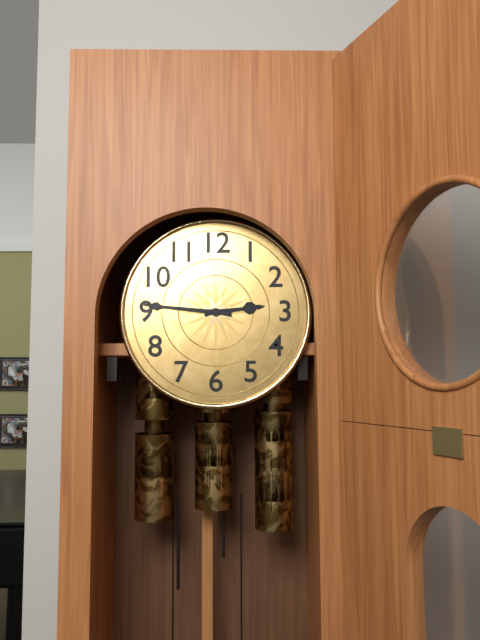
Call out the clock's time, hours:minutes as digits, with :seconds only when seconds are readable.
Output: 2:46
